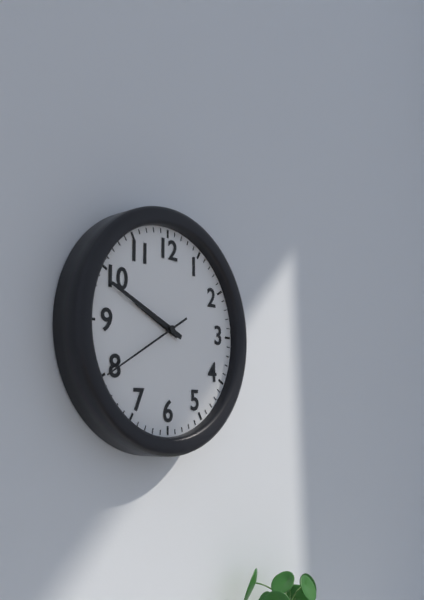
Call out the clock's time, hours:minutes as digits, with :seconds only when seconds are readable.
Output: 9:49:40
